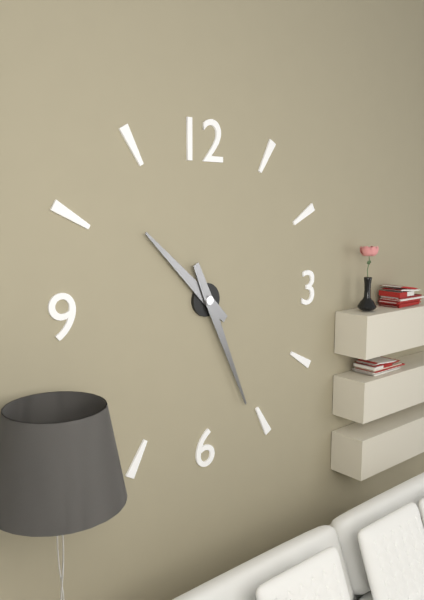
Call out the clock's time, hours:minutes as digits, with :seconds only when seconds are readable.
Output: 10:26
